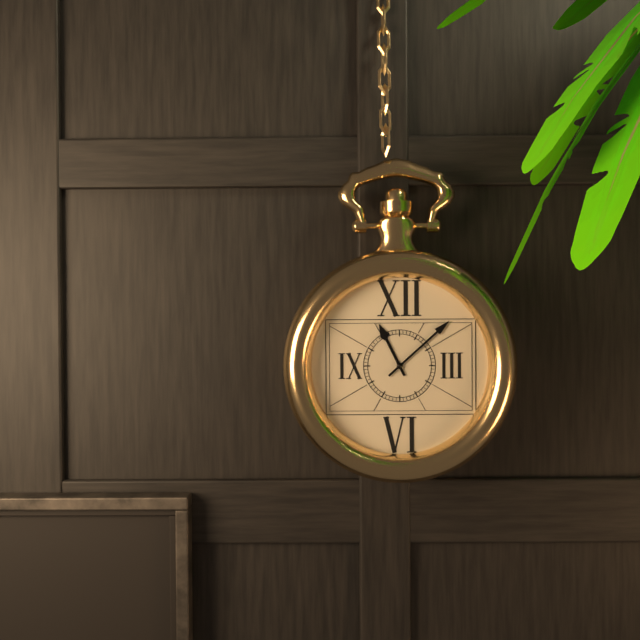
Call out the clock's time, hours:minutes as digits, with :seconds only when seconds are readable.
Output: 11:08
